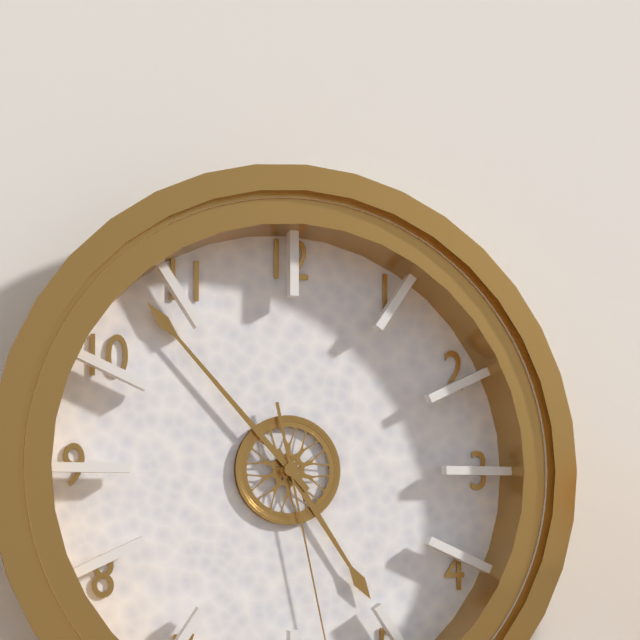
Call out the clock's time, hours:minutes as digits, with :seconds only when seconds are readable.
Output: 4:53
